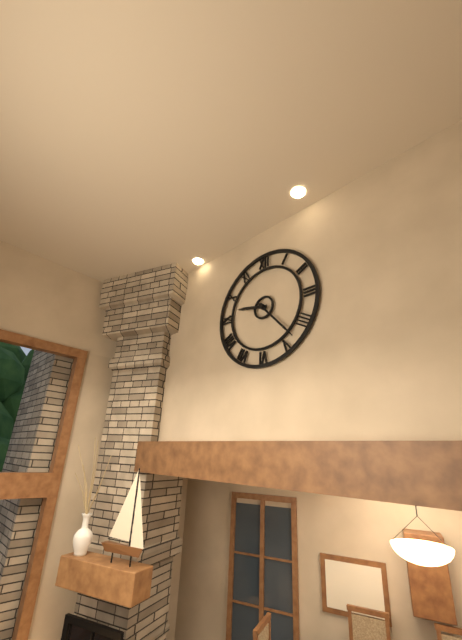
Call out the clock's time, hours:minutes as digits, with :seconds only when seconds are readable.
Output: 9:23
